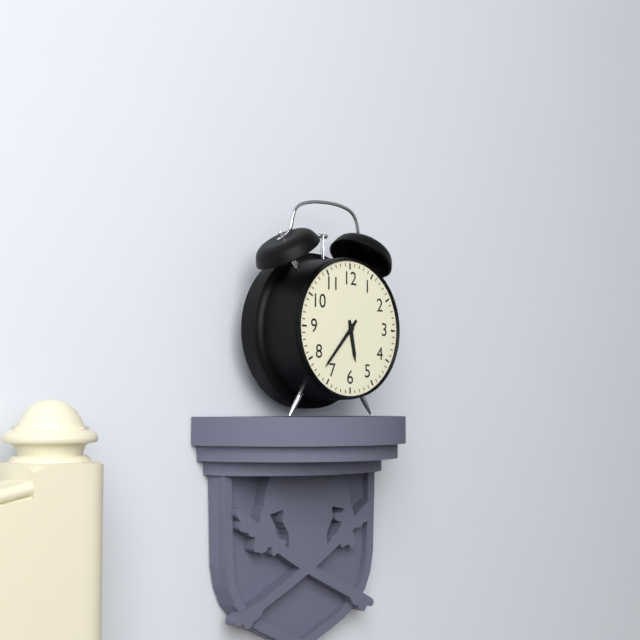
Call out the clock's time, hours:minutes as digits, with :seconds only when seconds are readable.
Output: 5:37
